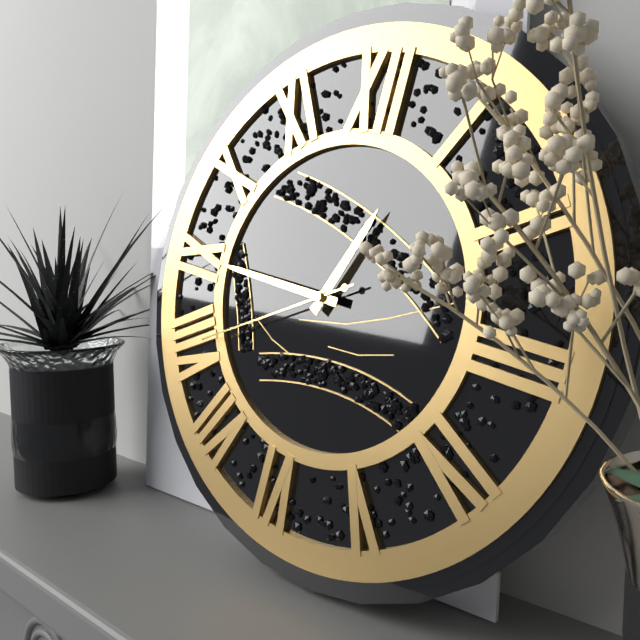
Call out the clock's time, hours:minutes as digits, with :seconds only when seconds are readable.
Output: 12:45:40
